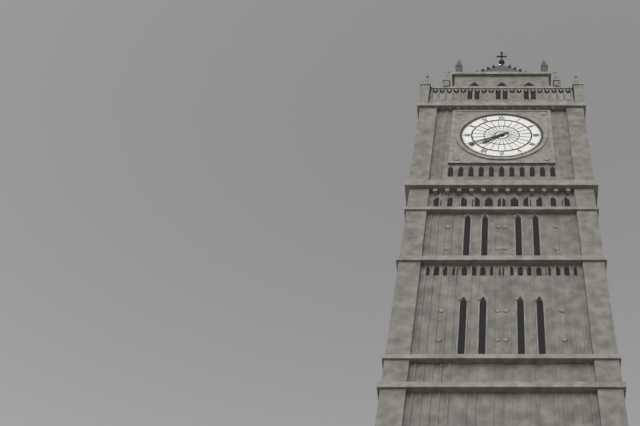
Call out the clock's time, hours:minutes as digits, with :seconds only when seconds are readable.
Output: 7:40
